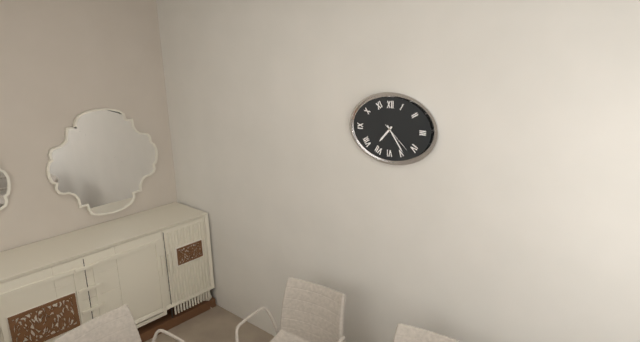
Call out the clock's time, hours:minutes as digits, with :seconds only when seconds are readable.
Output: 7:24
